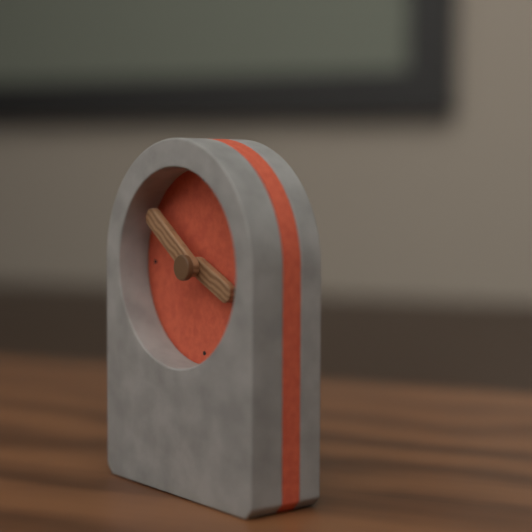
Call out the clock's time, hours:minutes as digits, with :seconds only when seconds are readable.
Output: 3:51
